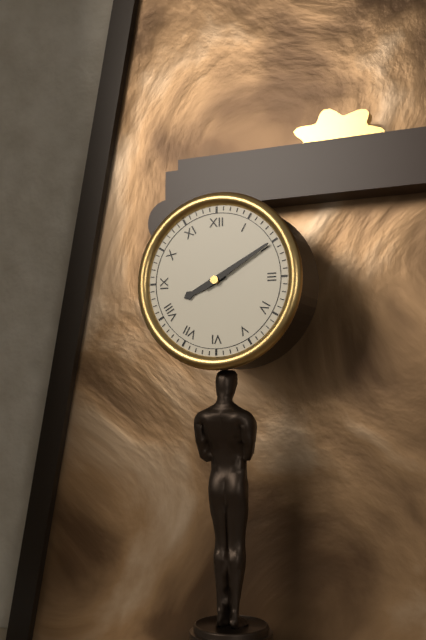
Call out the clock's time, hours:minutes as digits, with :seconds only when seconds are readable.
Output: 8:10
